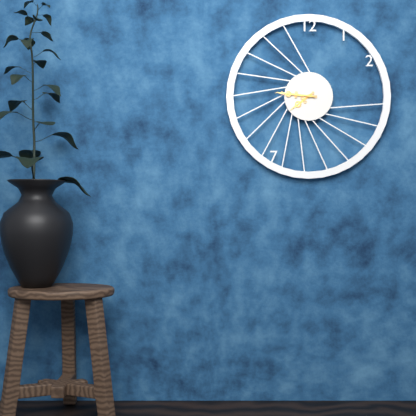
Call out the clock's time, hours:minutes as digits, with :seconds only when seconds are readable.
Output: 7:46
